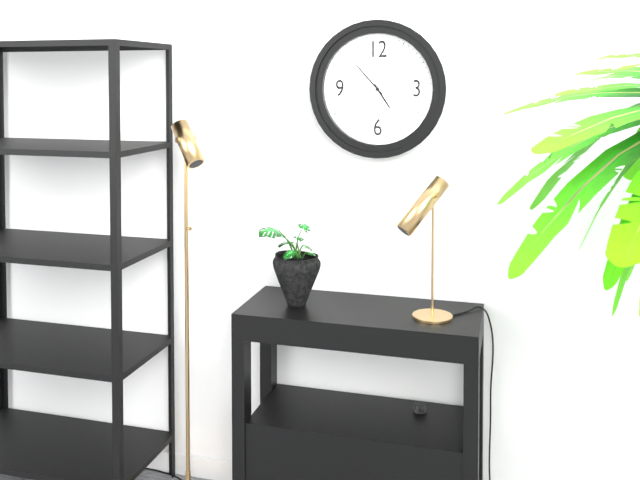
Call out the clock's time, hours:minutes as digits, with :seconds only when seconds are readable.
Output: 4:53
